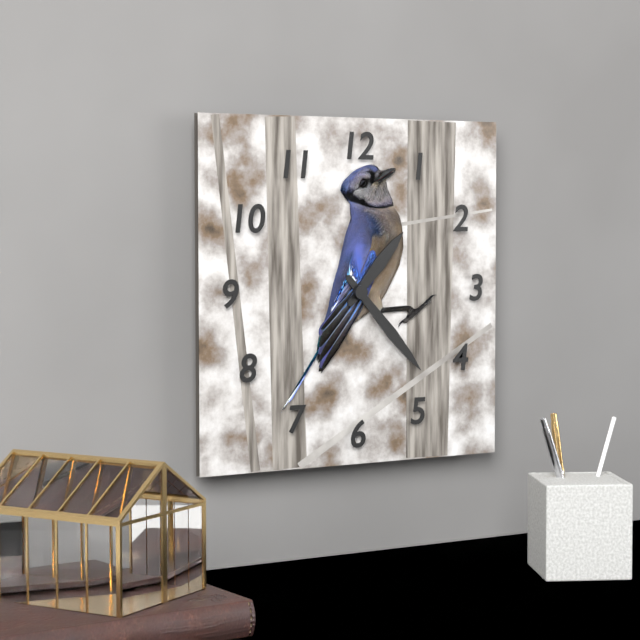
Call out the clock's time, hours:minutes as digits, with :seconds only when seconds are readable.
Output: 1:23
